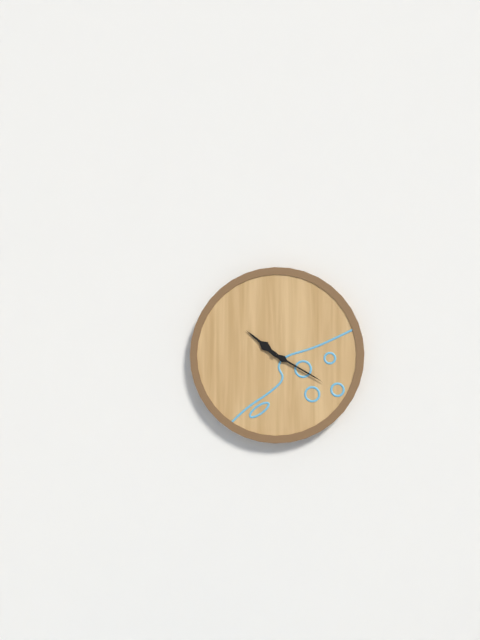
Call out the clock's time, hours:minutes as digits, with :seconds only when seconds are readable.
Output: 10:20
